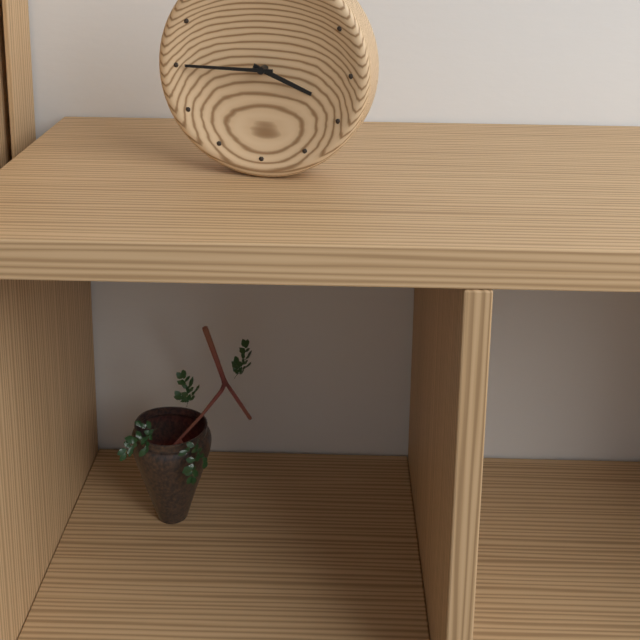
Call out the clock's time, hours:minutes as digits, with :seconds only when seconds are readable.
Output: 3:45
